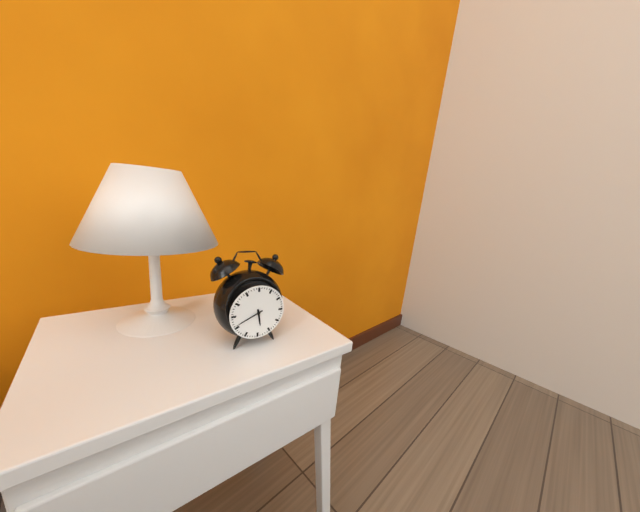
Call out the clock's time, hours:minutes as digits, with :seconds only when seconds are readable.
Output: 5:41
